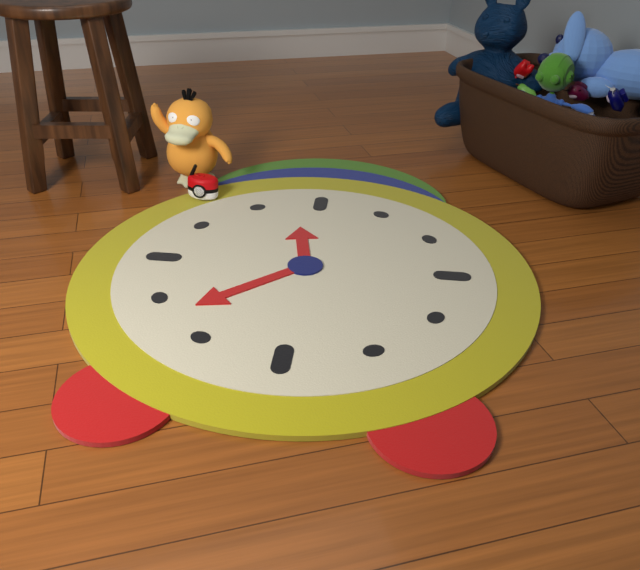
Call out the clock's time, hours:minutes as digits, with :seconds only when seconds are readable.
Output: 11:38
